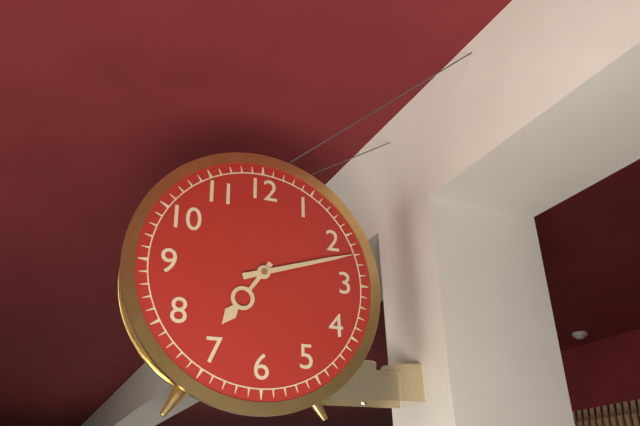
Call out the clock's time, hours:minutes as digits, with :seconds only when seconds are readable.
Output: 7:12
